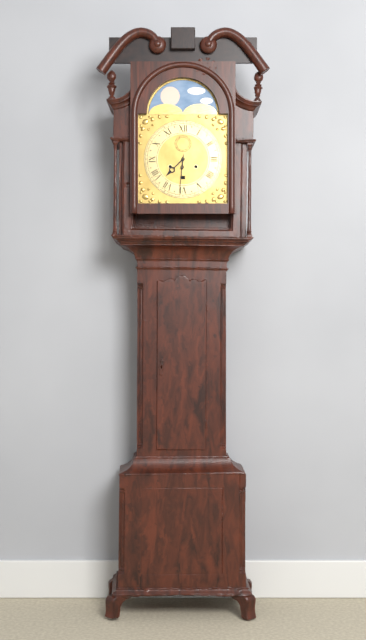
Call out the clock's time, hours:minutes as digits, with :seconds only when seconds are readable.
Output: 7:31
